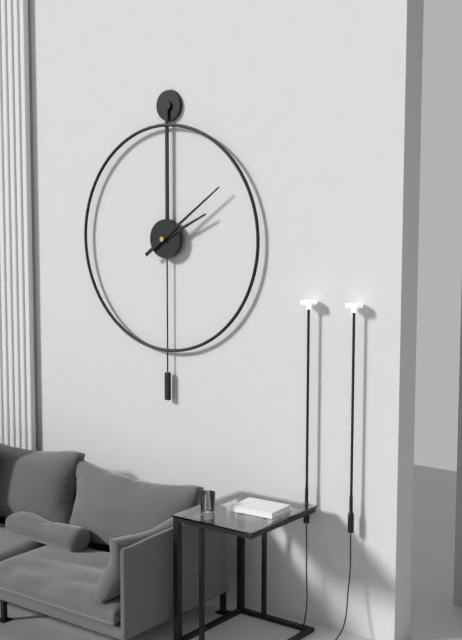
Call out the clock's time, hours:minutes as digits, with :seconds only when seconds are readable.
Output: 2:09
